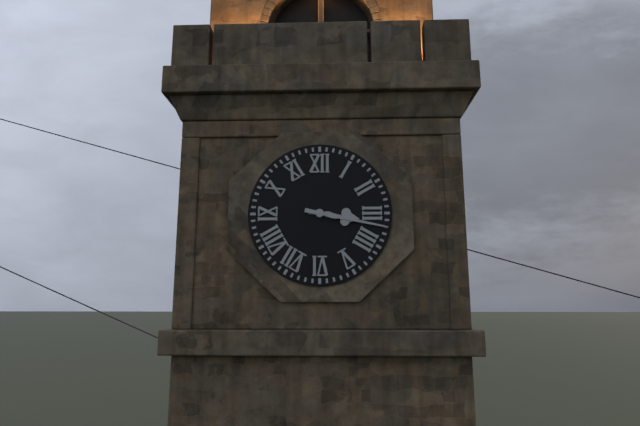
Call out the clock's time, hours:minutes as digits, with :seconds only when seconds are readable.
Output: 3:17
